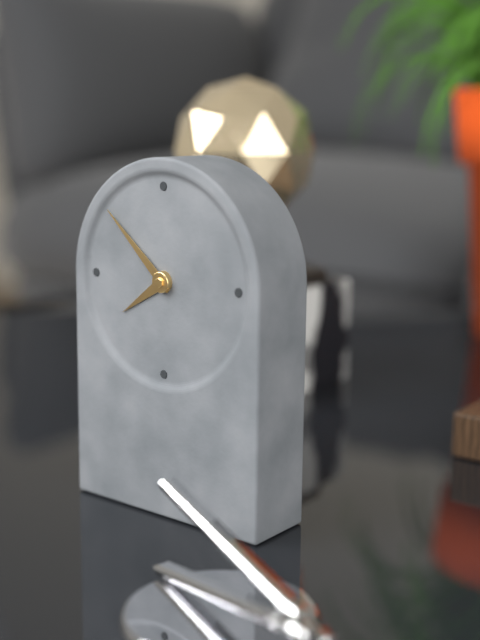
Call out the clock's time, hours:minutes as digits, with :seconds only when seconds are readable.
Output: 7:52
